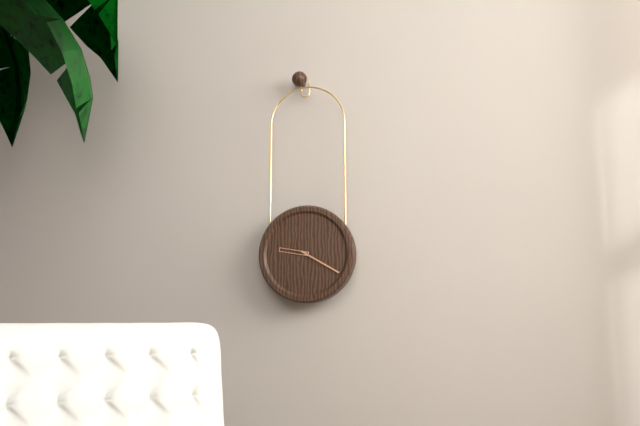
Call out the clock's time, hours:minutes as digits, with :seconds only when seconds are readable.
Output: 9:20
